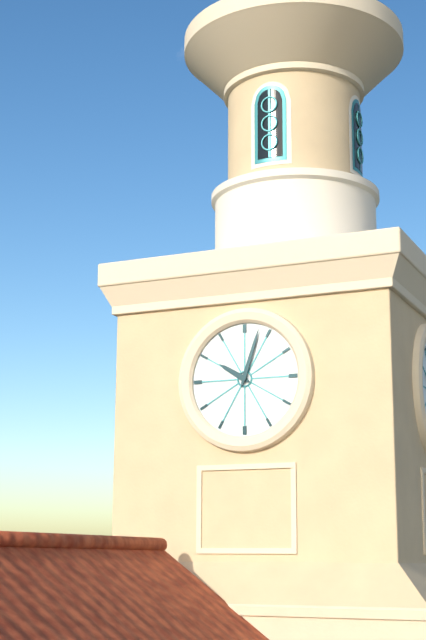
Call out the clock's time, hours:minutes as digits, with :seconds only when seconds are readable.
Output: 10:03
